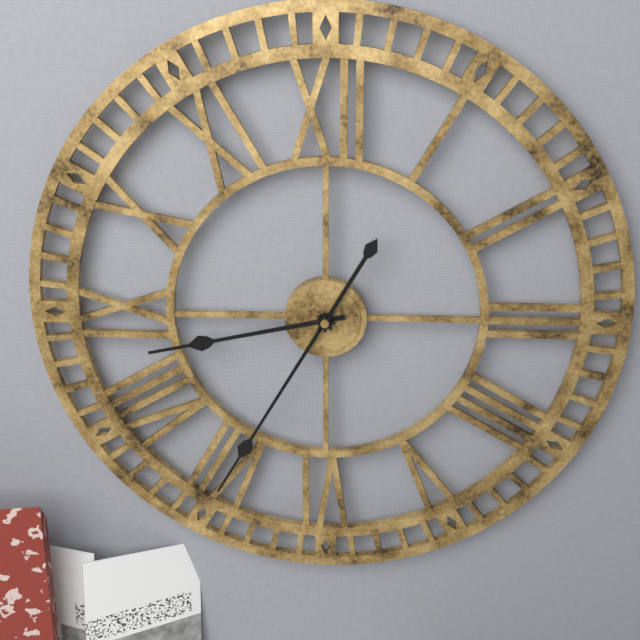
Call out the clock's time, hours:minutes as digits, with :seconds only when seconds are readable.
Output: 8:35
